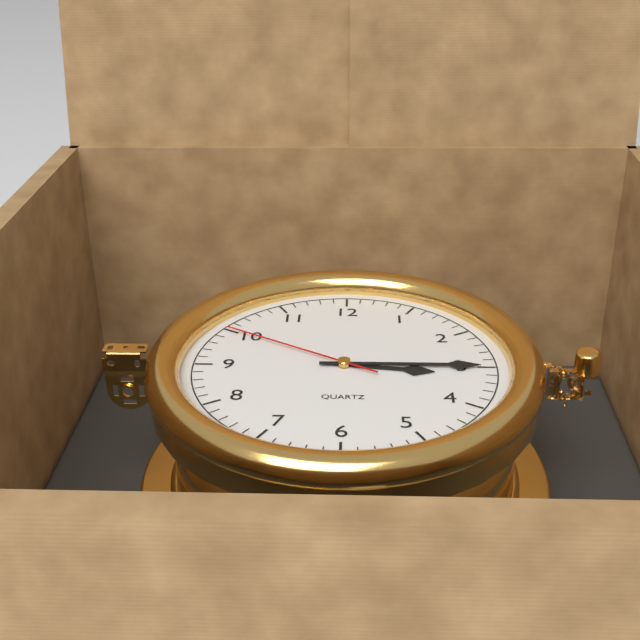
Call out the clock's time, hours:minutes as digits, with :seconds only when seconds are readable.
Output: 3:15:50
